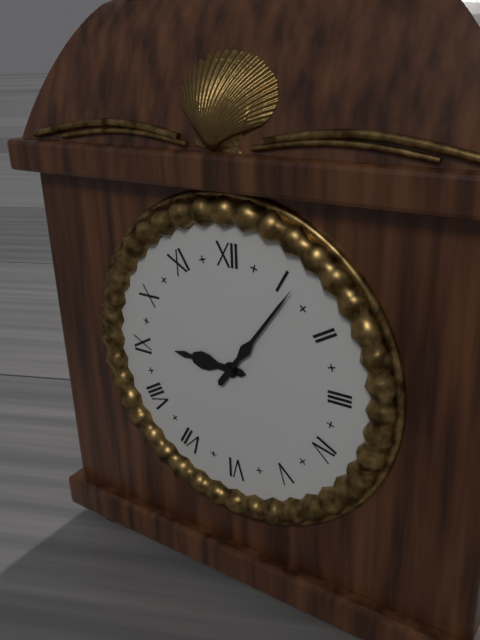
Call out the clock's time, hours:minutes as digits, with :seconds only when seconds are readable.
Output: 9:06
